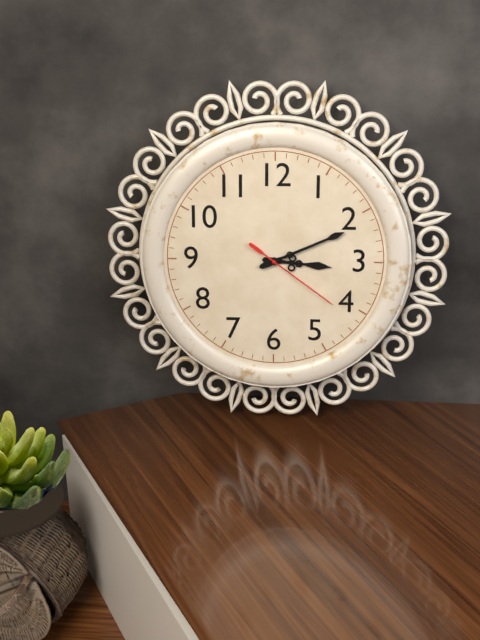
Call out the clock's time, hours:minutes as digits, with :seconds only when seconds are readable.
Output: 3:11:21
